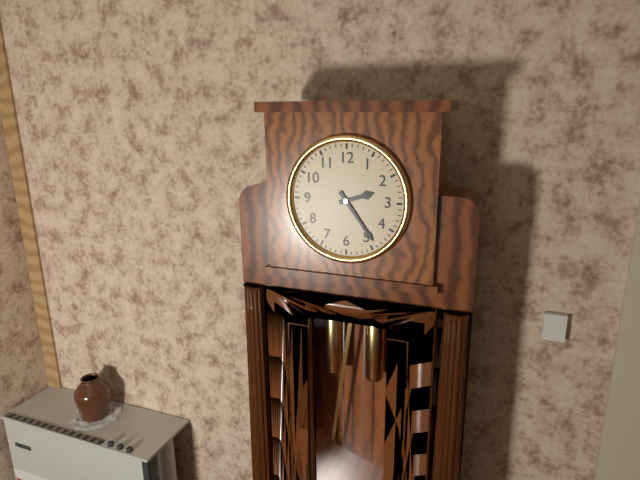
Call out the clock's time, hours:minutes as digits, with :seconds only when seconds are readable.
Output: 2:24
